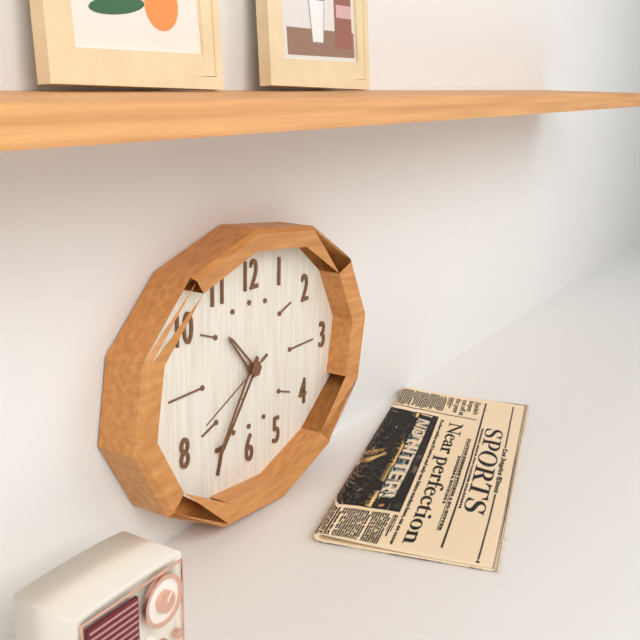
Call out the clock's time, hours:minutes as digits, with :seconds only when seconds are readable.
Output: 10:36:41
